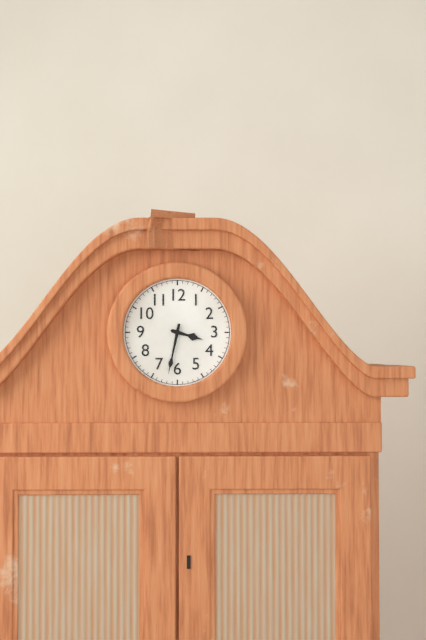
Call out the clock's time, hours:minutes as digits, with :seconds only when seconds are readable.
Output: 3:32
